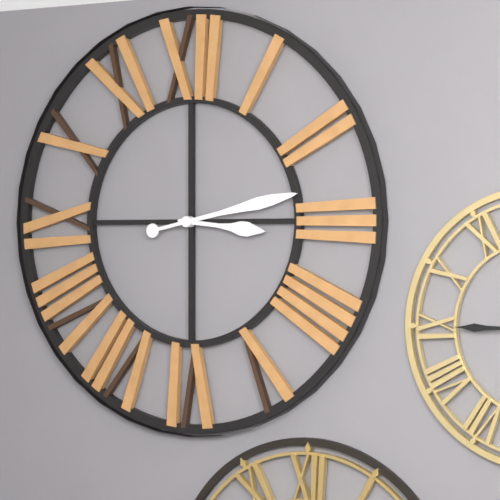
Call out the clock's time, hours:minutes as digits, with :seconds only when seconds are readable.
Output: 3:13
